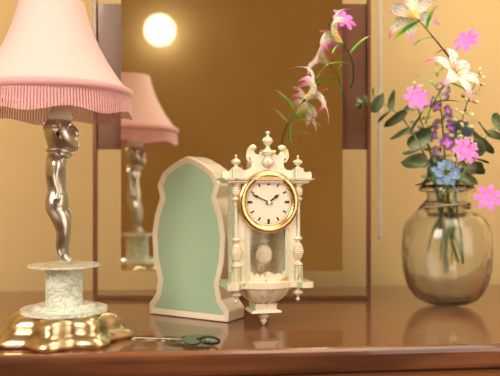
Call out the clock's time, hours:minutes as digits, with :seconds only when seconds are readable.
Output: 1:49
